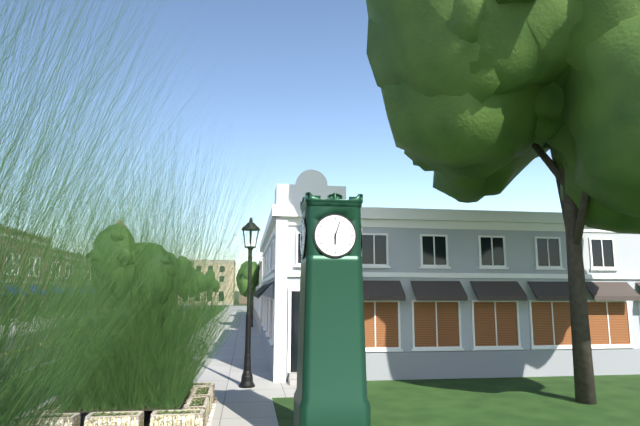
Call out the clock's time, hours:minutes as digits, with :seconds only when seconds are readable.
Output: 6:03
